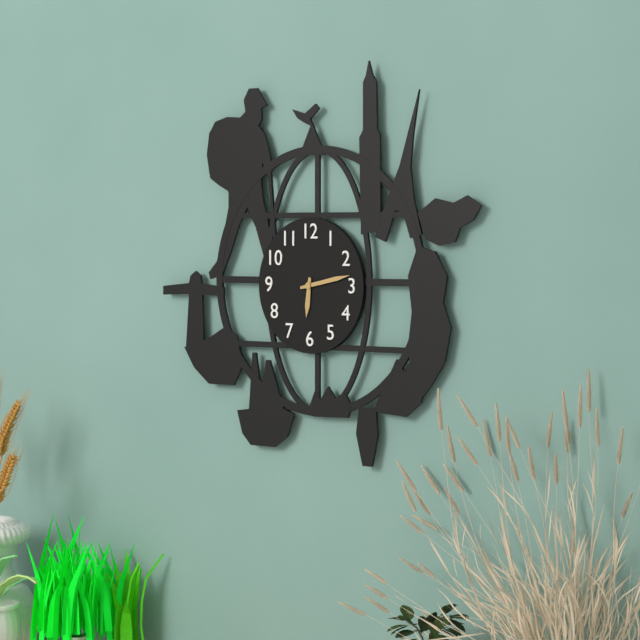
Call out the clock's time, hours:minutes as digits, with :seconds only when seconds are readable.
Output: 6:13
